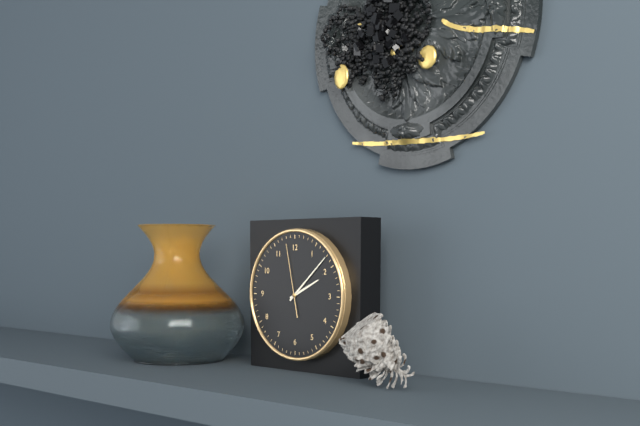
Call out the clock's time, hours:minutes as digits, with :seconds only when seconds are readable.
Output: 2:08:58
